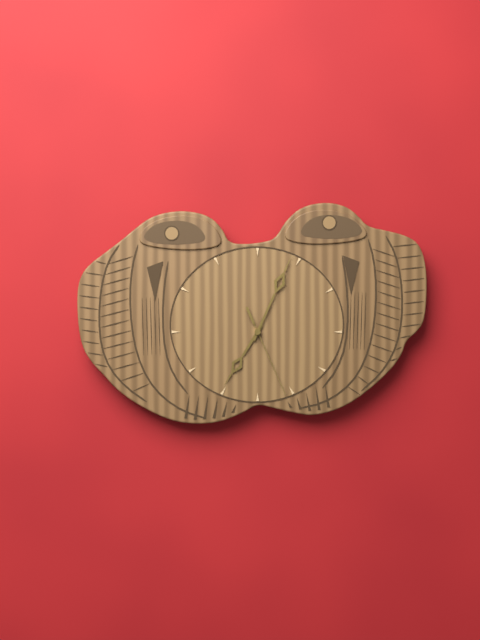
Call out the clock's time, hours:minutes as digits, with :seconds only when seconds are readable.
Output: 7:04:26
